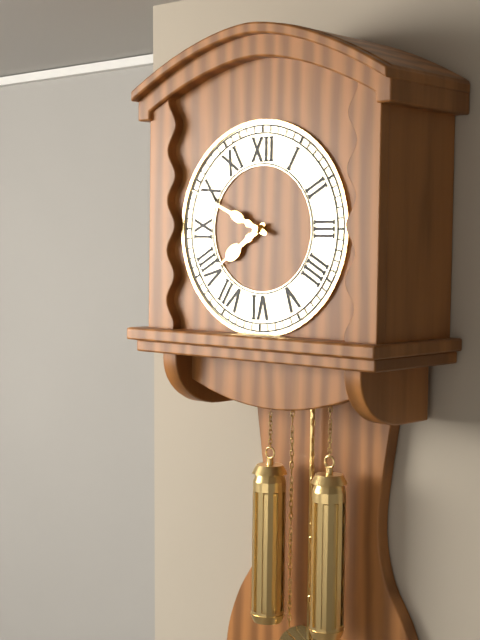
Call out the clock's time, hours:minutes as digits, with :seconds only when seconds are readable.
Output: 7:49
